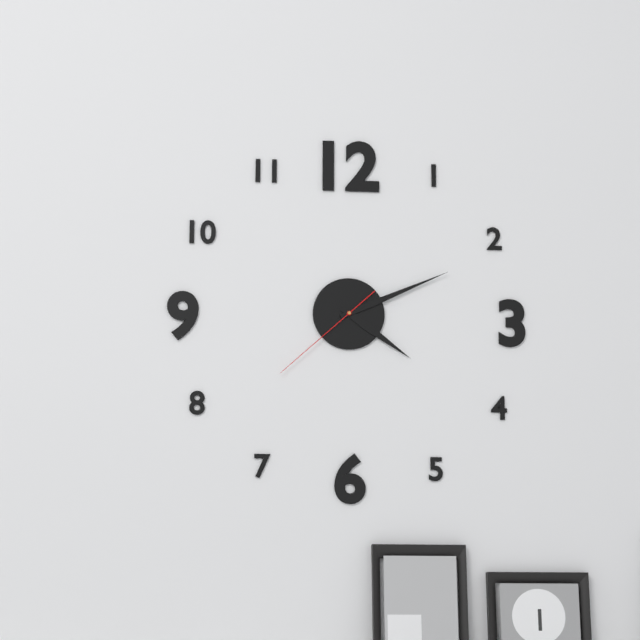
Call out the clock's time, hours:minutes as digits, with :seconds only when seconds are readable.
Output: 4:11:38
